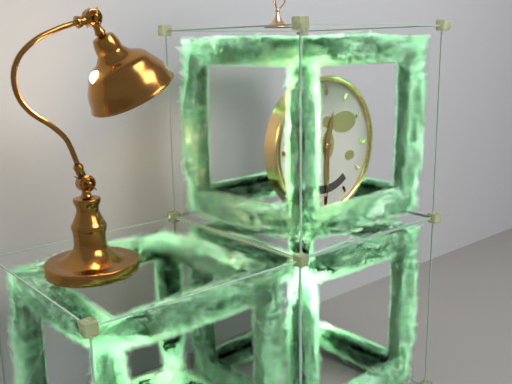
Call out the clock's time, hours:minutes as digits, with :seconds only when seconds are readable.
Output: 12:30
